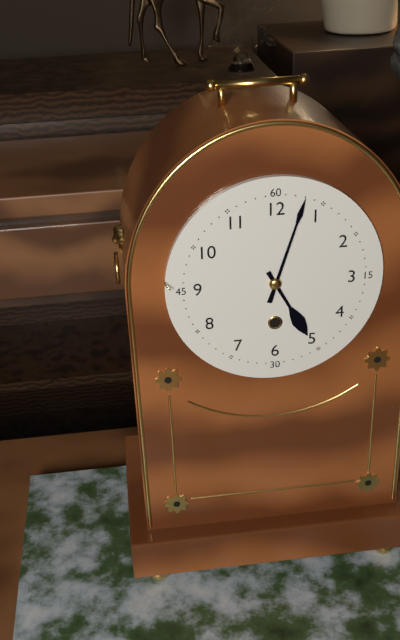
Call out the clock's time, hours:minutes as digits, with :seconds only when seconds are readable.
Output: 5:03
